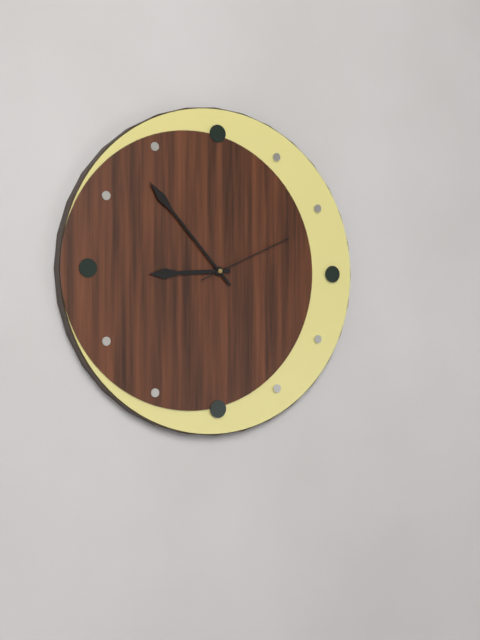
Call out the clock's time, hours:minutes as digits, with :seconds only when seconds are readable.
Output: 8:53:11
